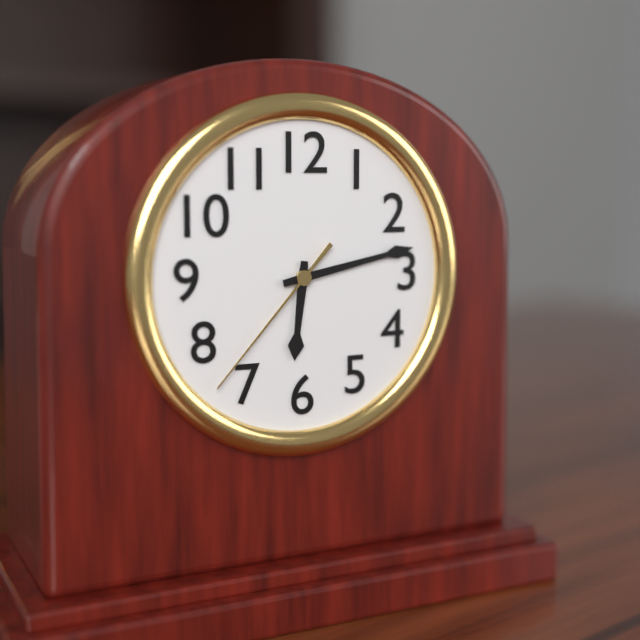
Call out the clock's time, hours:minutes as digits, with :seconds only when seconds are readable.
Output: 6:13:37
